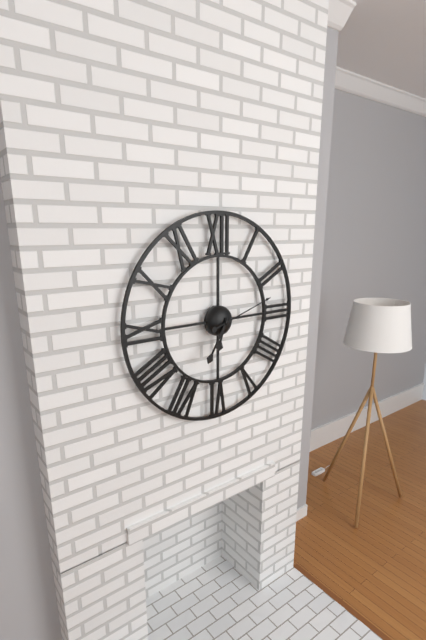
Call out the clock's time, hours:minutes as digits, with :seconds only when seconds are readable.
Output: 6:35:12
